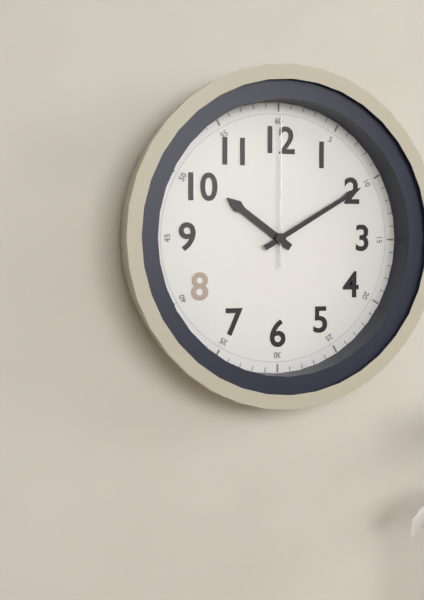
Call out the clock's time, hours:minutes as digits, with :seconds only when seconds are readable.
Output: 10:10:00
